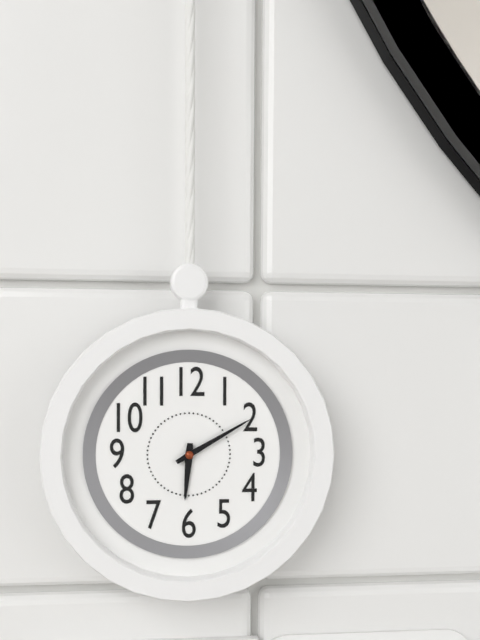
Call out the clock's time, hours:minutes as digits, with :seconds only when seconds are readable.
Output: 6:10
